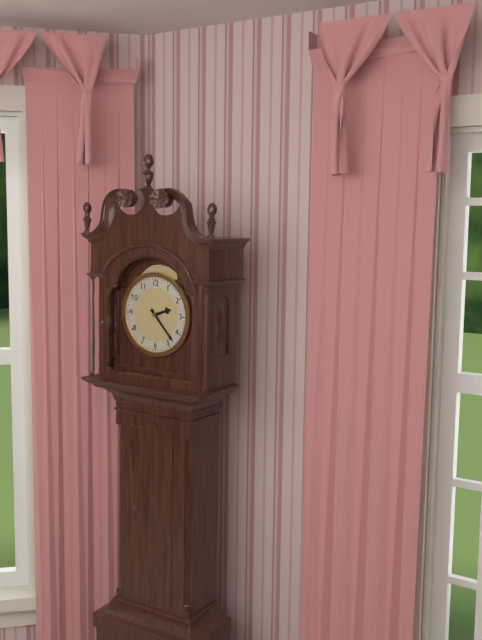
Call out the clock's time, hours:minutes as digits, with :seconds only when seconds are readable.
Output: 2:23
